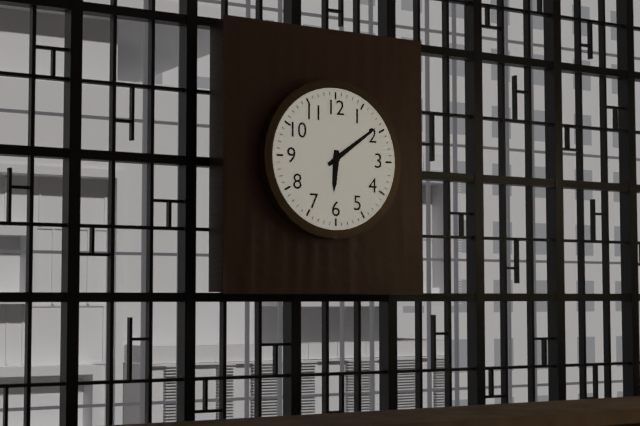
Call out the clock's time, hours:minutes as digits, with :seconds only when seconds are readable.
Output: 6:09
